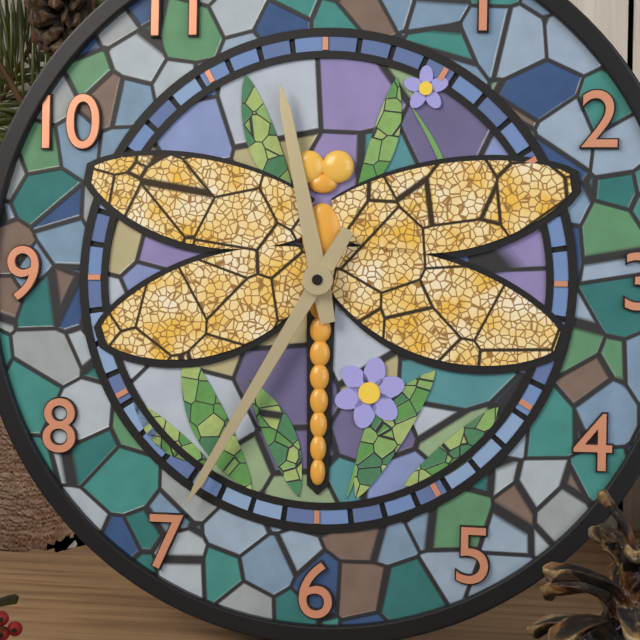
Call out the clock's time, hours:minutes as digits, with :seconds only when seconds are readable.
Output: 11:35
